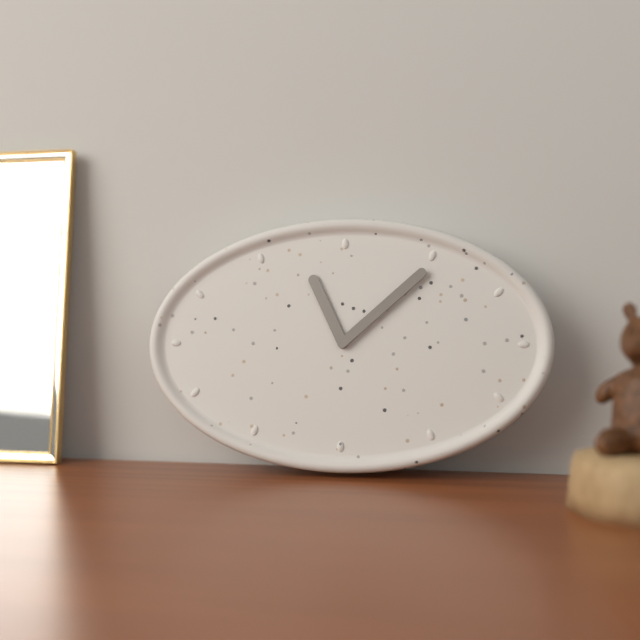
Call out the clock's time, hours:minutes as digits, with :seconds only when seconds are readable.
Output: 11:08
